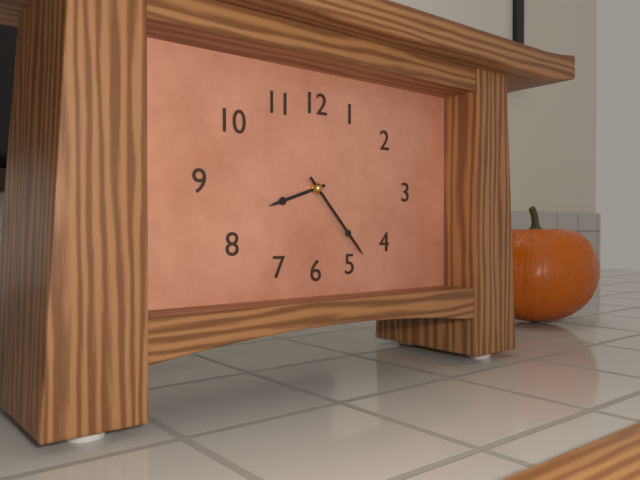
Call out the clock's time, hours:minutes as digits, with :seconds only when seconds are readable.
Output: 8:23
